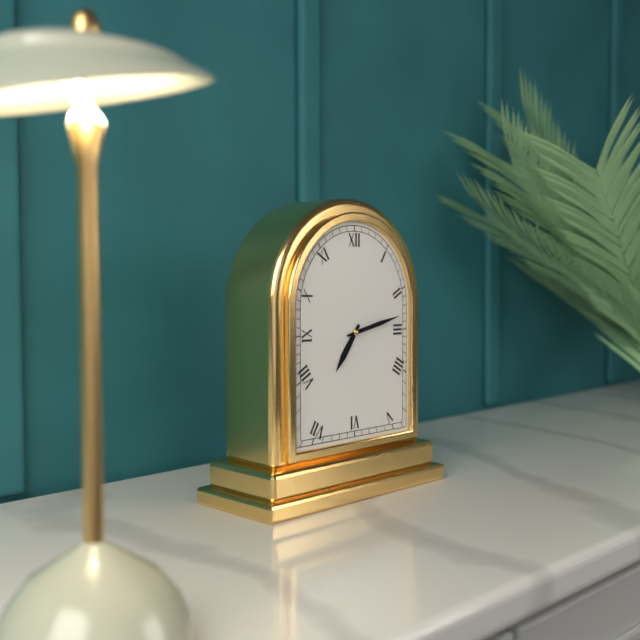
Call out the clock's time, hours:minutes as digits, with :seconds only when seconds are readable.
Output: 7:13
